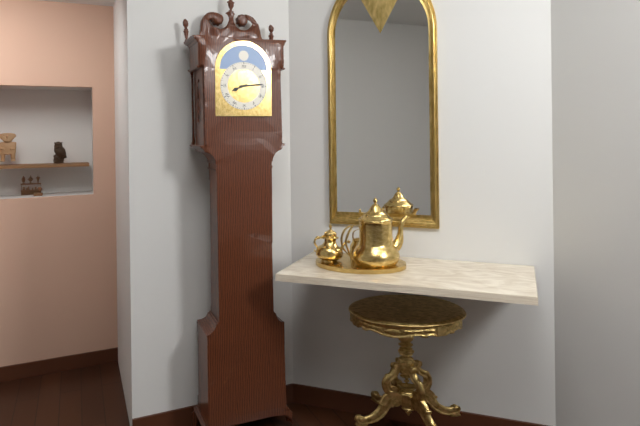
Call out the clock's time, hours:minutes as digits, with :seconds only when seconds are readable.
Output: 8:14
